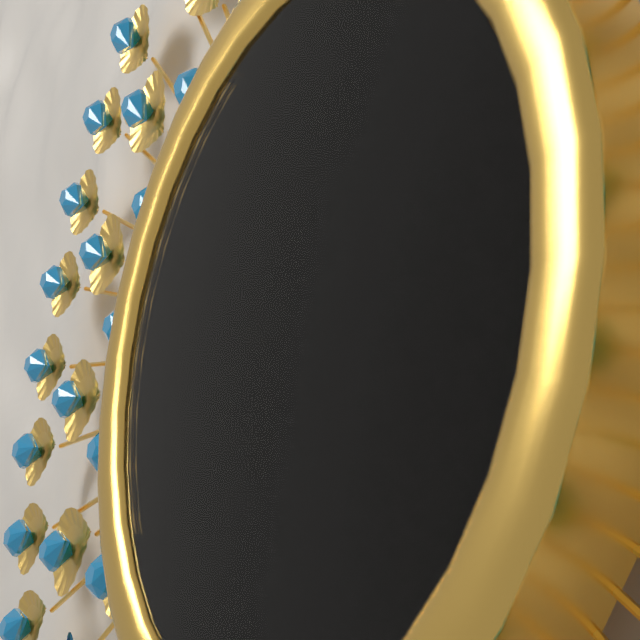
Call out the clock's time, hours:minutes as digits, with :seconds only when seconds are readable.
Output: 9:34:08
